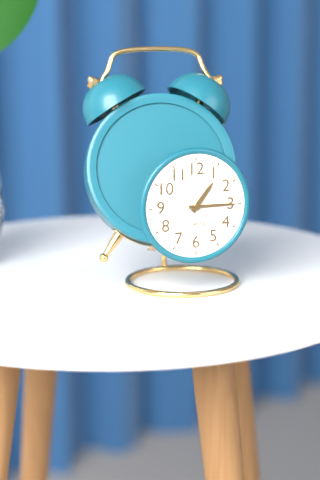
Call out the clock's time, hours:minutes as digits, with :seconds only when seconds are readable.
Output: 1:15
